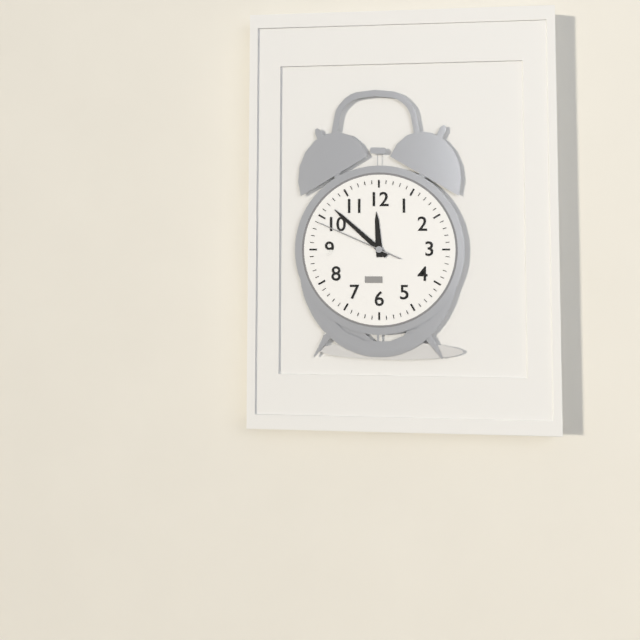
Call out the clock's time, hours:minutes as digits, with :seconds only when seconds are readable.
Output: 11:52:49
